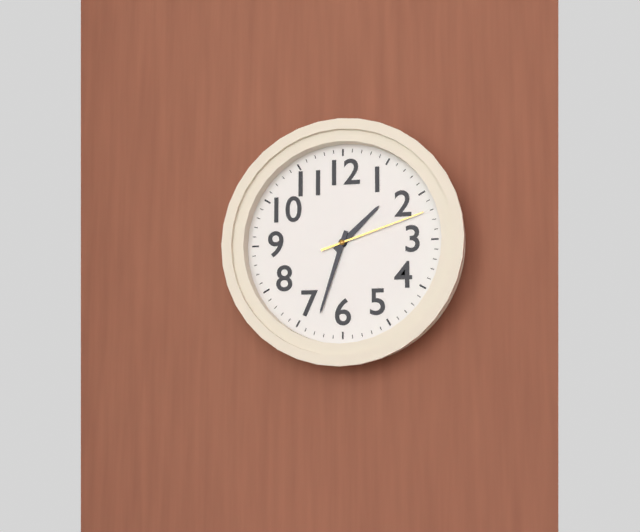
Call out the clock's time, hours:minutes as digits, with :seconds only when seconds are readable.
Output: 1:33:12
